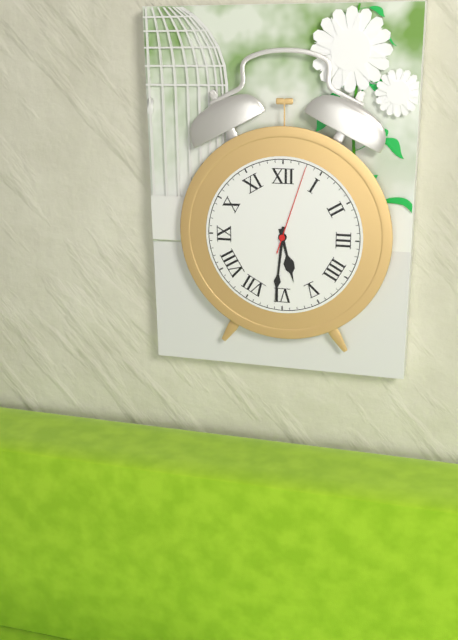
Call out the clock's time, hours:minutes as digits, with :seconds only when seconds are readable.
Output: 5:31:03
